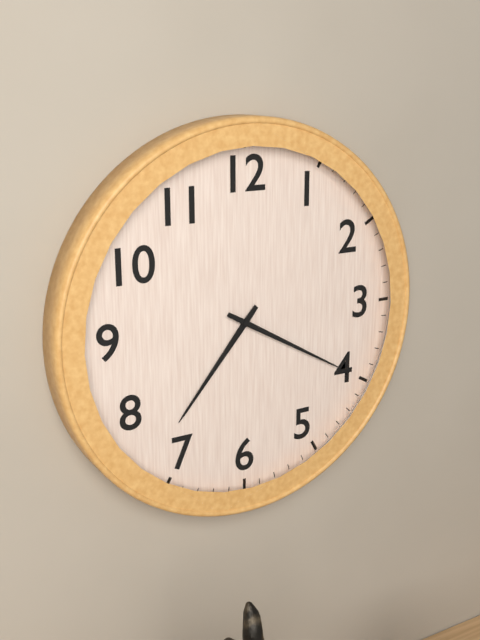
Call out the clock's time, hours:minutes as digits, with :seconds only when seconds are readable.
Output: 7:20
